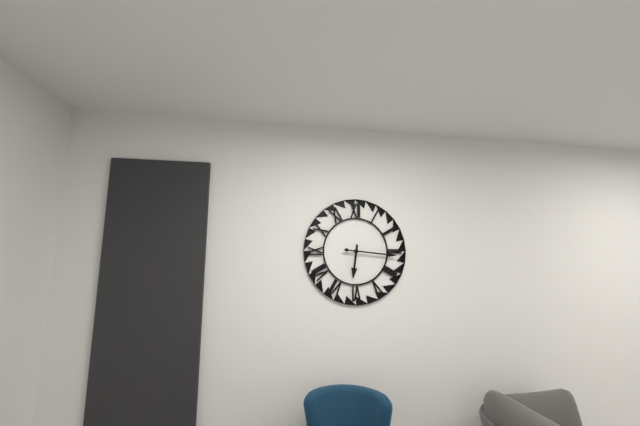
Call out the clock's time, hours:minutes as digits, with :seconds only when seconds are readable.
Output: 6:16
